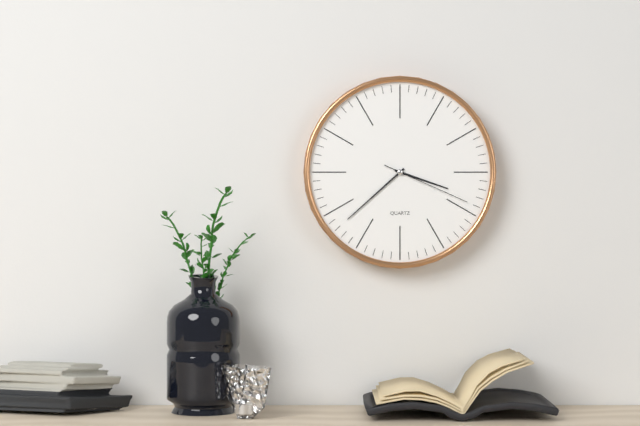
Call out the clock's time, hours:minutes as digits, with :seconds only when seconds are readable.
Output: 3:38:19
